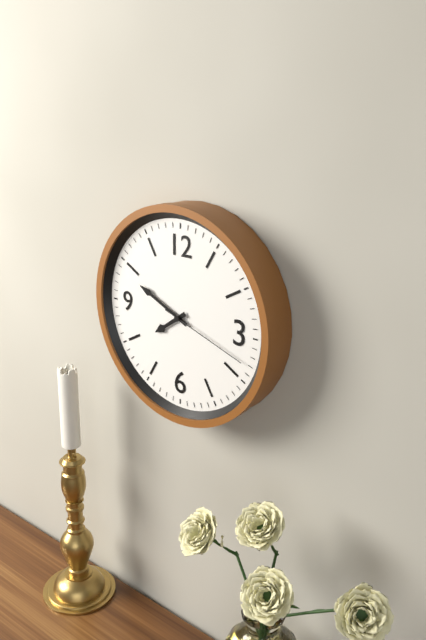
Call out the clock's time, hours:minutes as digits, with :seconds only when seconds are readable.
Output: 7:49:18
